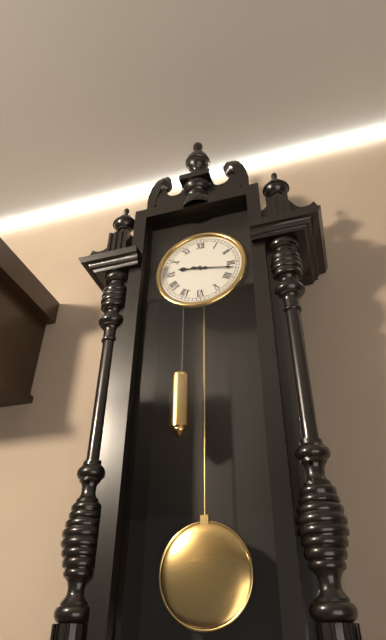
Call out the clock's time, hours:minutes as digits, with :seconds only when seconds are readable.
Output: 9:17
